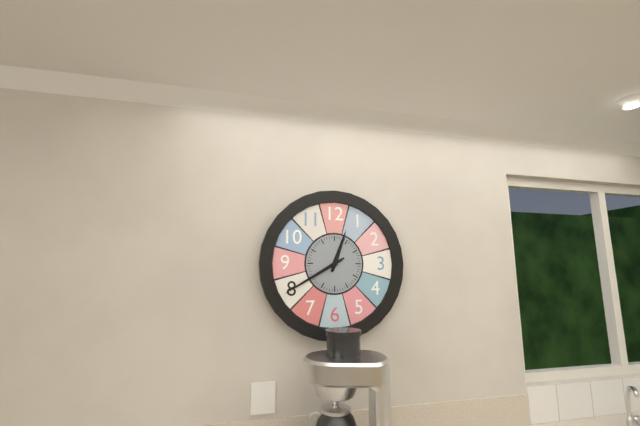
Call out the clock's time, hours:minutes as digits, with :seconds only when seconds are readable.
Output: 12:40
